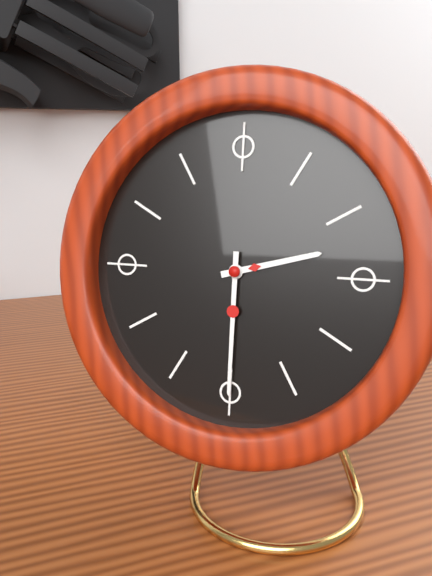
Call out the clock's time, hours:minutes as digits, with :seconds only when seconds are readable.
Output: 2:30
